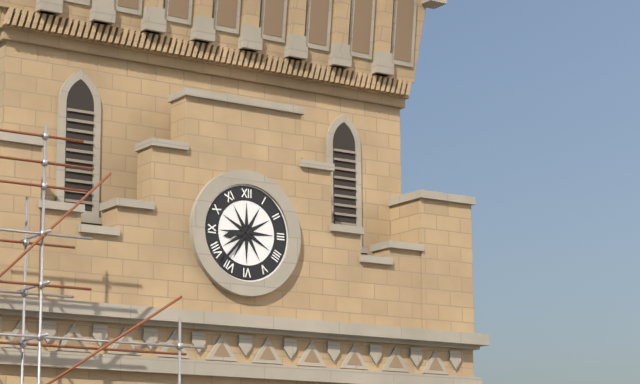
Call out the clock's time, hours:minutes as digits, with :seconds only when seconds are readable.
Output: 8:37
